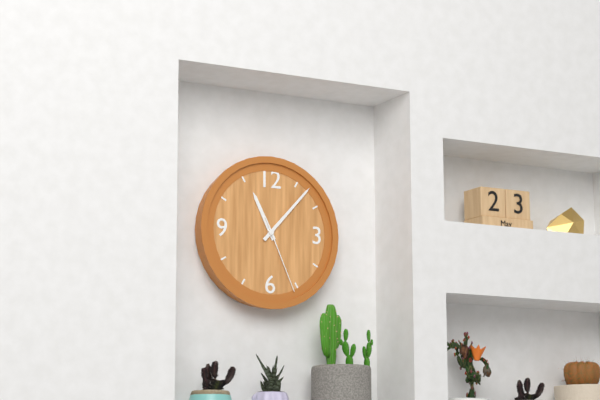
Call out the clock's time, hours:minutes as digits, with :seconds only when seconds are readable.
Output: 11:07:26
